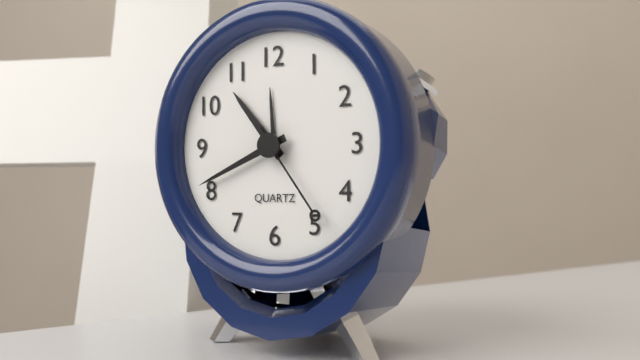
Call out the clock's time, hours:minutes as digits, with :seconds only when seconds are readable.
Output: 10:41:24
